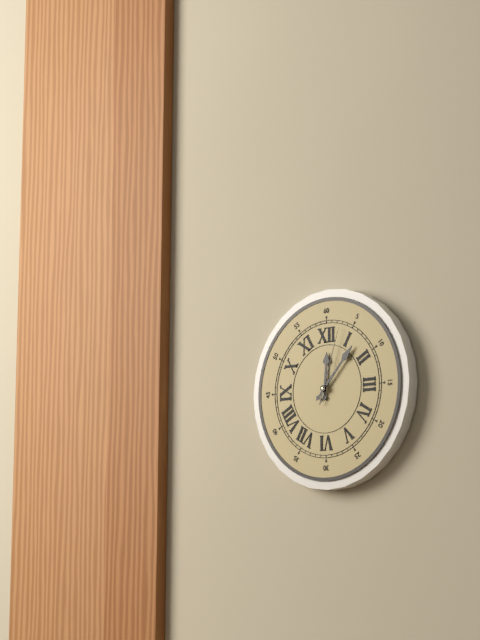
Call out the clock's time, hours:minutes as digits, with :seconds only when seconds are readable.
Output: 12:07:03
